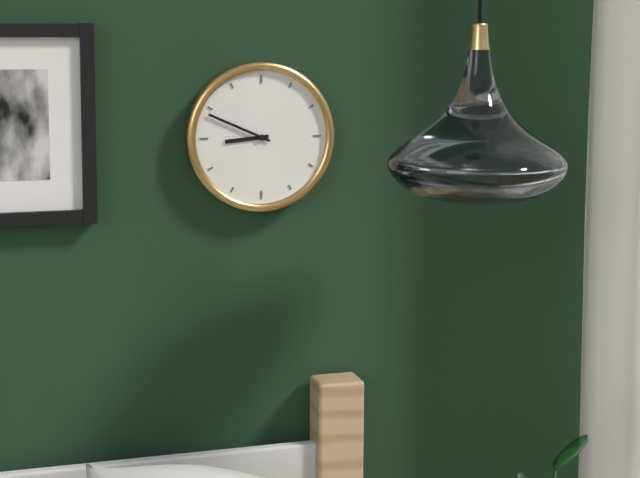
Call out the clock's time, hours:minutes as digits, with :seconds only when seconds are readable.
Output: 8:49
